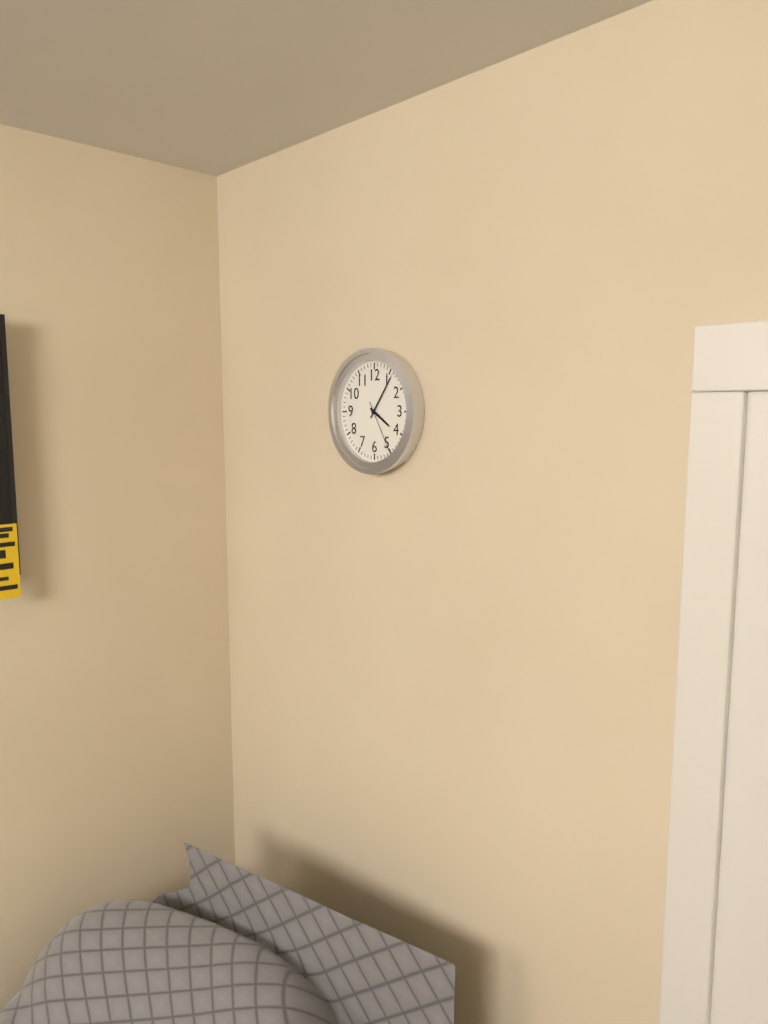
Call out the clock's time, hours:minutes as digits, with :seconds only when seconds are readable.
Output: 4:06:25
